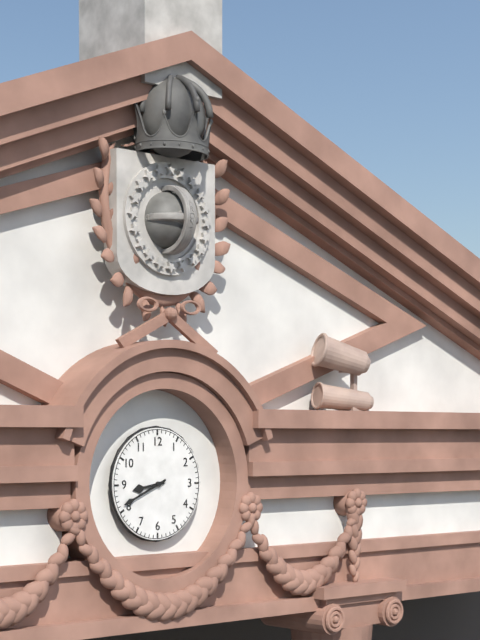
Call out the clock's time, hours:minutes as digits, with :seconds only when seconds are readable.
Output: 8:41
